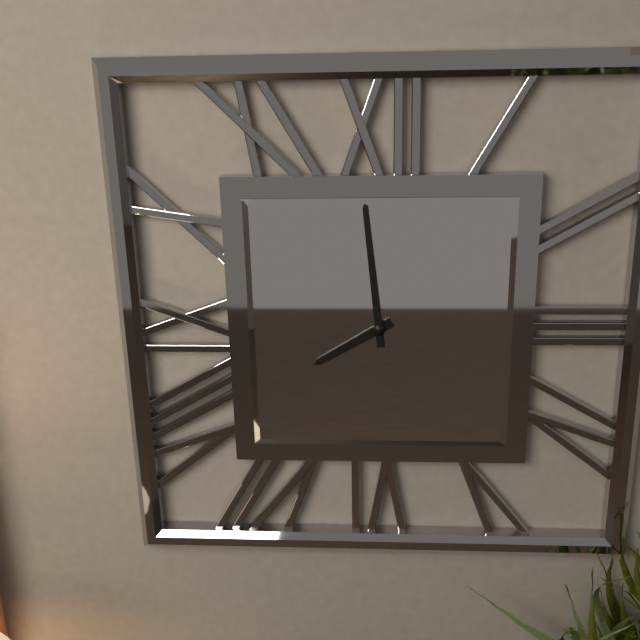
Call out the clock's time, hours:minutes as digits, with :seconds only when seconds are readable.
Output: 7:59
